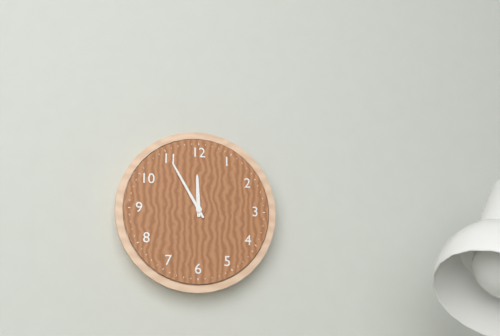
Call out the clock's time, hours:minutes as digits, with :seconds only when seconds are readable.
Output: 11:55
